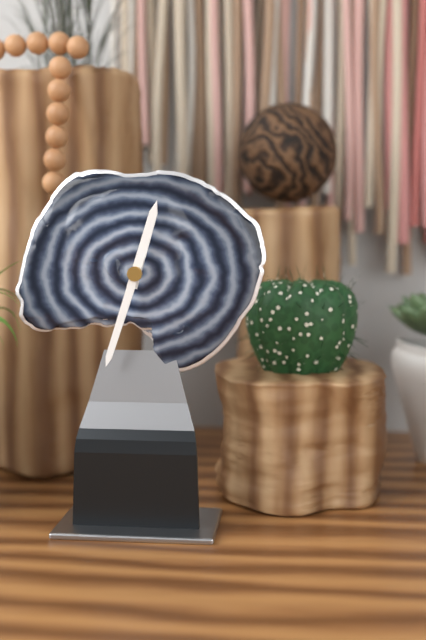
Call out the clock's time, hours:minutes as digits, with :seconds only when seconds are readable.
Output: 12:33
